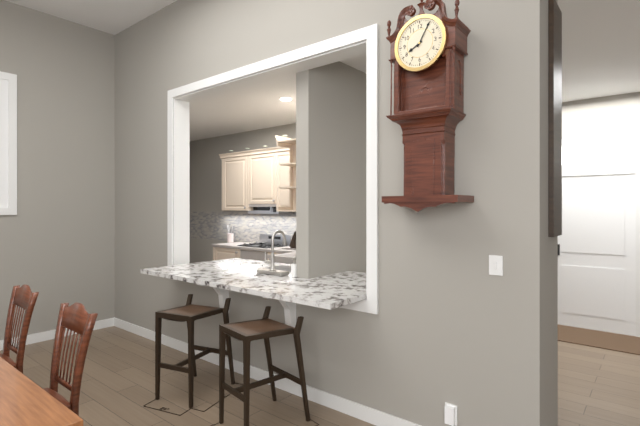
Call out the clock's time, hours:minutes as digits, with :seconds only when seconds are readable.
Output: 8:05
